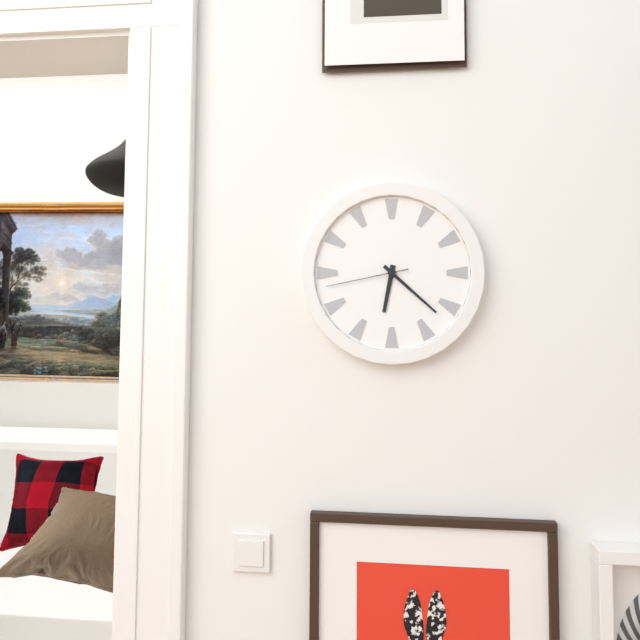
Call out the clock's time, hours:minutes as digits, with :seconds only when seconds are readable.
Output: 6:22:43
